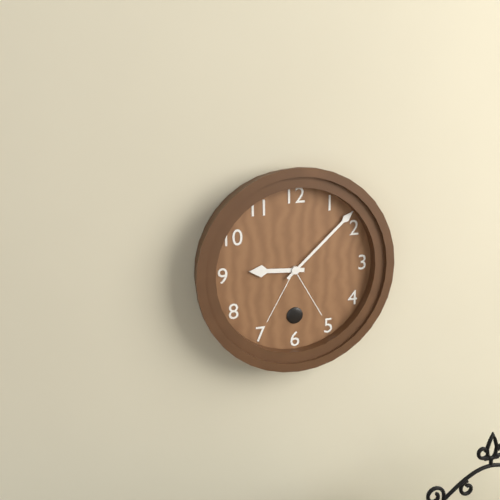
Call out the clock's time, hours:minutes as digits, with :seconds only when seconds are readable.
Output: 9:08
